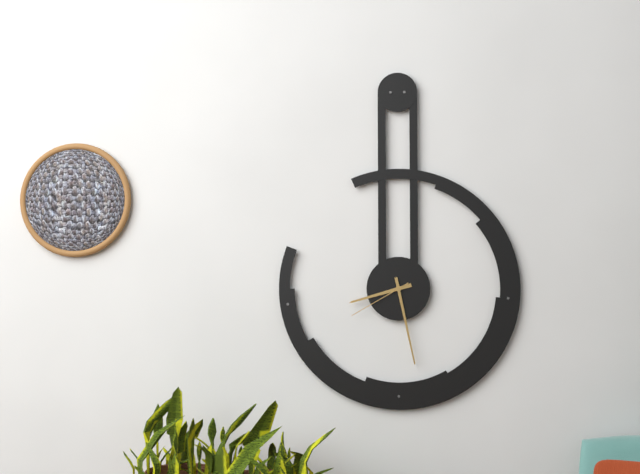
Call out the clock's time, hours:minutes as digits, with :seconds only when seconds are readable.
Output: 8:28:40
